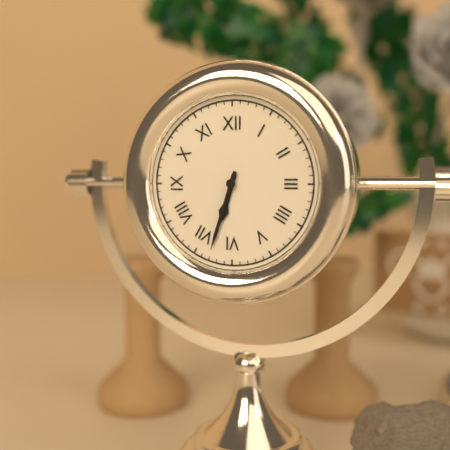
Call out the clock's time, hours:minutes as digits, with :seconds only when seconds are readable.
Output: 6:33
